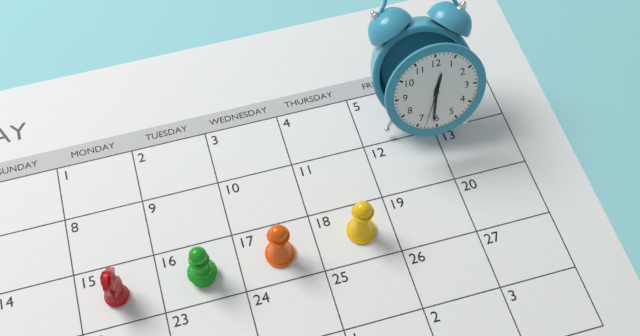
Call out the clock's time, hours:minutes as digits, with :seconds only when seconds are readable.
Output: 12:31:33
